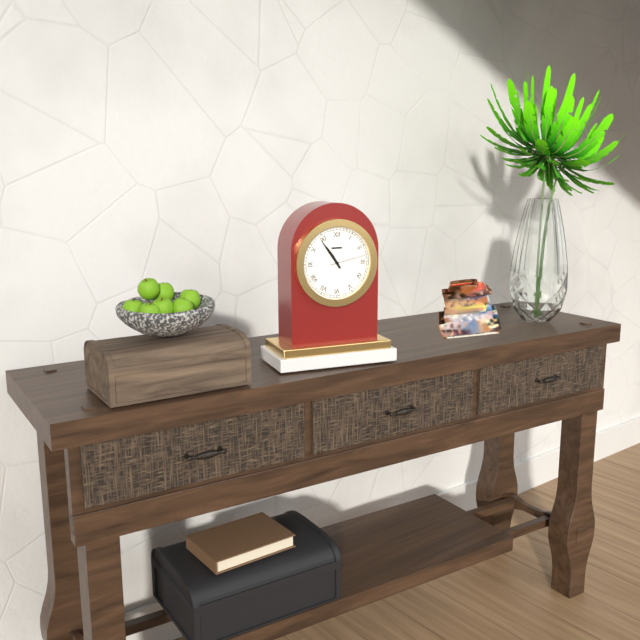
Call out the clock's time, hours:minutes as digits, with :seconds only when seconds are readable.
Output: 10:54
